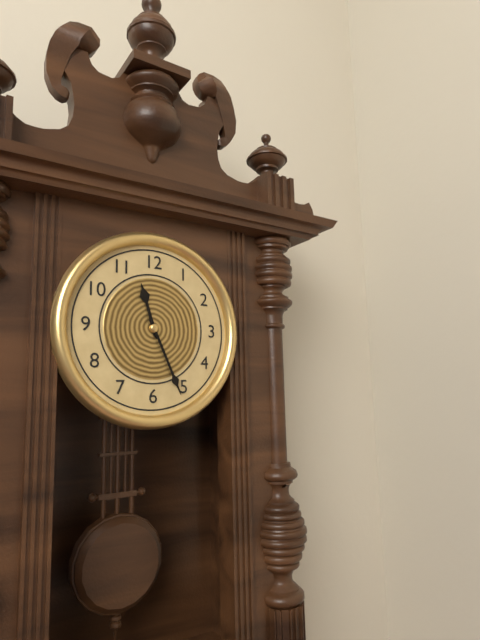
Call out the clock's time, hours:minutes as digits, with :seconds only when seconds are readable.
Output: 11:26
